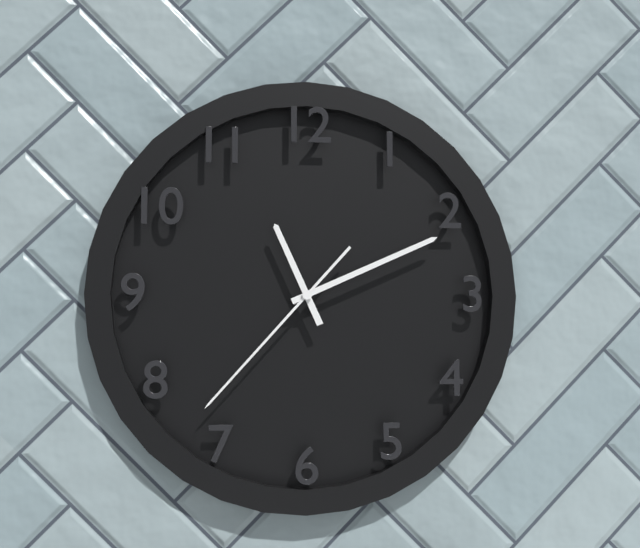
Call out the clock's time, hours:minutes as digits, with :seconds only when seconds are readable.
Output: 11:11:37
